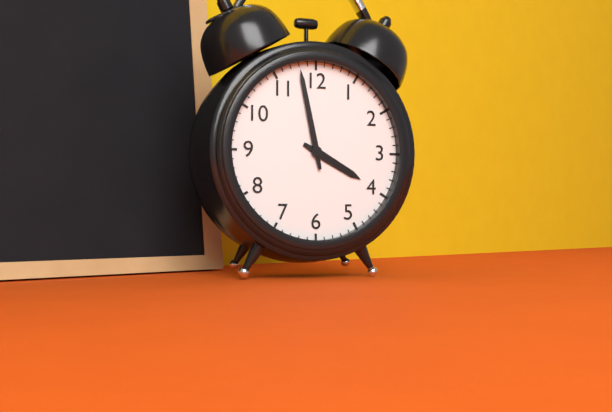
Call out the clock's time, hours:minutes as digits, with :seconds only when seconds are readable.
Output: 3:58
